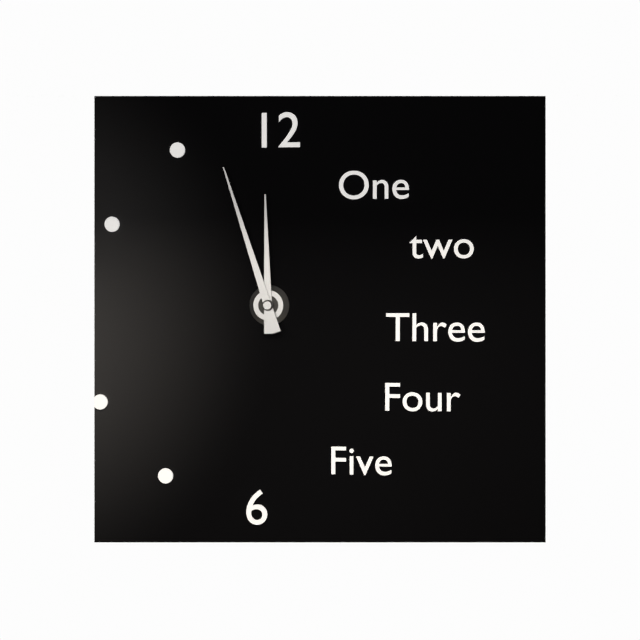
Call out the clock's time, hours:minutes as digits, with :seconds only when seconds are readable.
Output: 11:57
